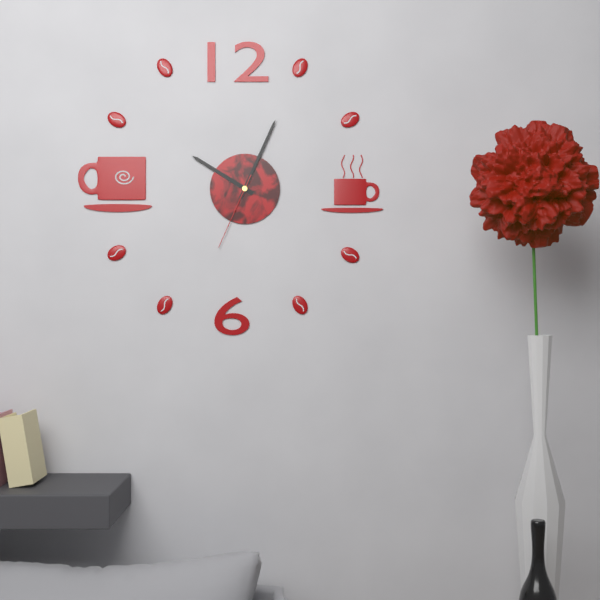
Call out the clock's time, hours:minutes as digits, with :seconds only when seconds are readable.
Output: 10:04:34
